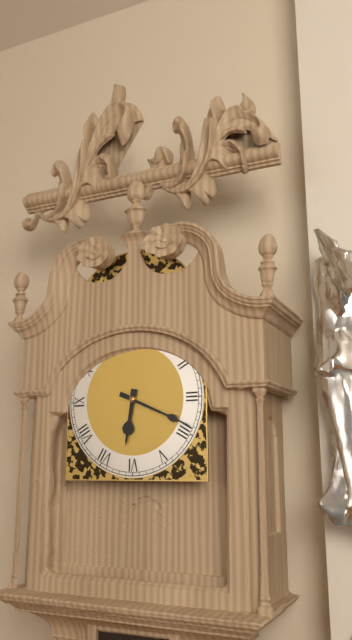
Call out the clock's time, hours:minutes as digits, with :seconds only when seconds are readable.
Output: 6:19
